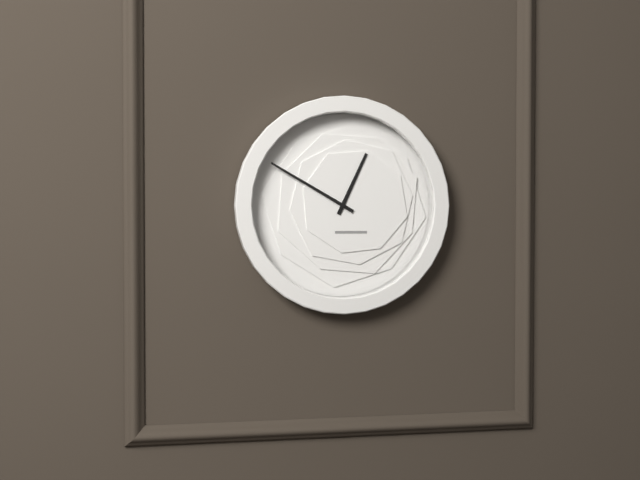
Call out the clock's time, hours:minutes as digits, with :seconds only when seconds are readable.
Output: 12:50
